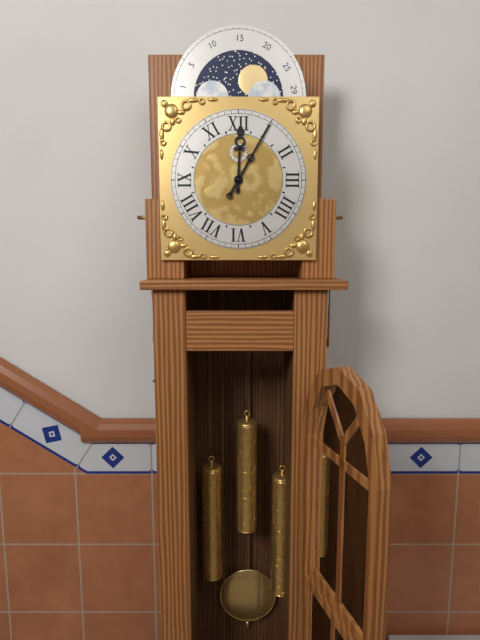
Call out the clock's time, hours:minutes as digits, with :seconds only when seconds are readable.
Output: 12:05
